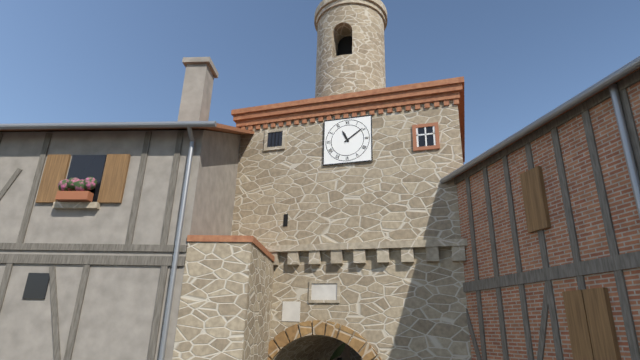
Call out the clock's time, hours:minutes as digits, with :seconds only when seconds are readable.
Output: 11:09
